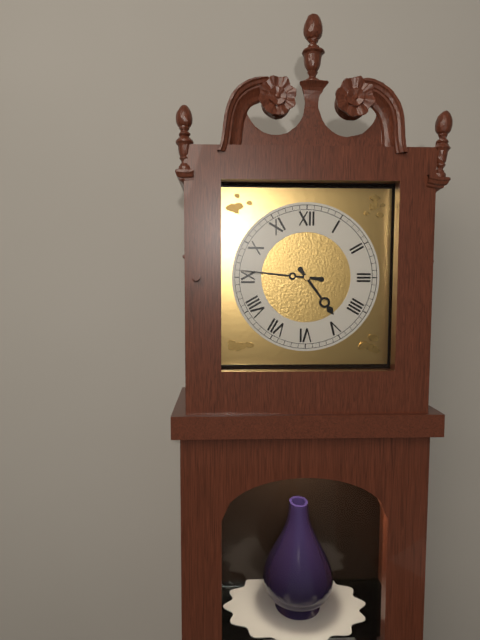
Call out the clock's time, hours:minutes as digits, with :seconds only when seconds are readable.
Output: 4:46
